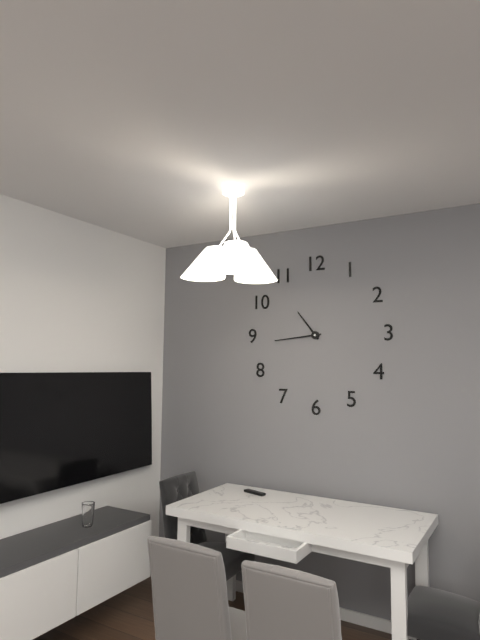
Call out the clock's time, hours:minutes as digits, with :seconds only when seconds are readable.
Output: 10:44
